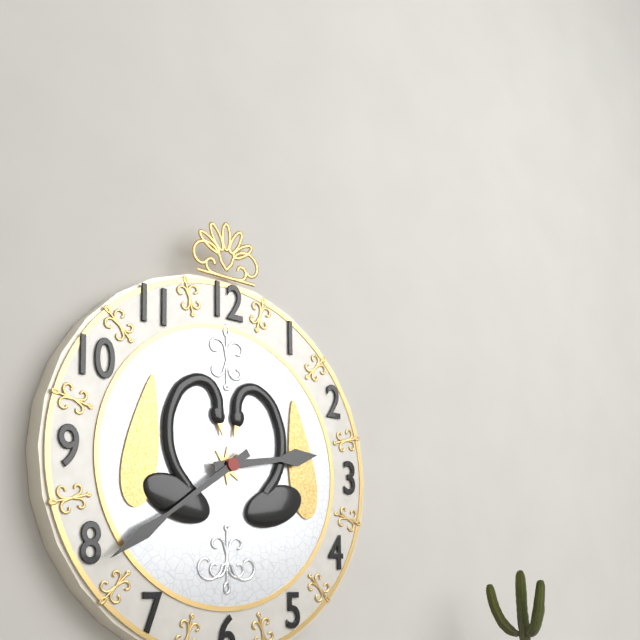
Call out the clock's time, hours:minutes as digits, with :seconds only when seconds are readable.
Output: 2:39
